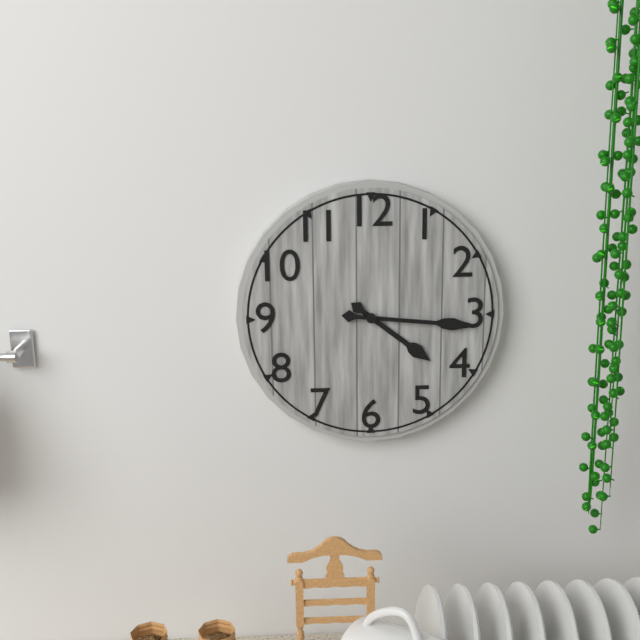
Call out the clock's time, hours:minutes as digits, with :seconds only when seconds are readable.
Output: 4:16
